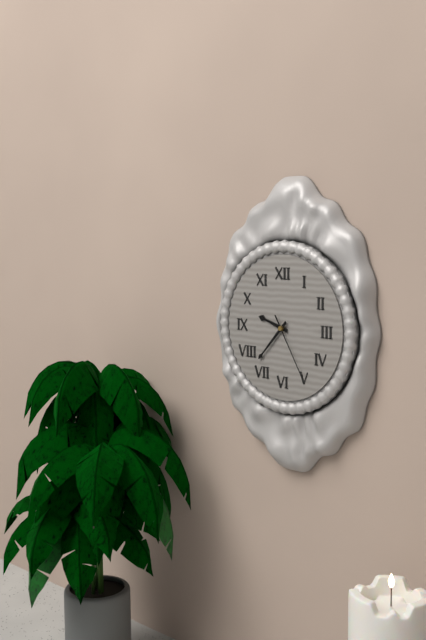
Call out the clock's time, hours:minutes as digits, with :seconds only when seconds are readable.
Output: 9:37:25
